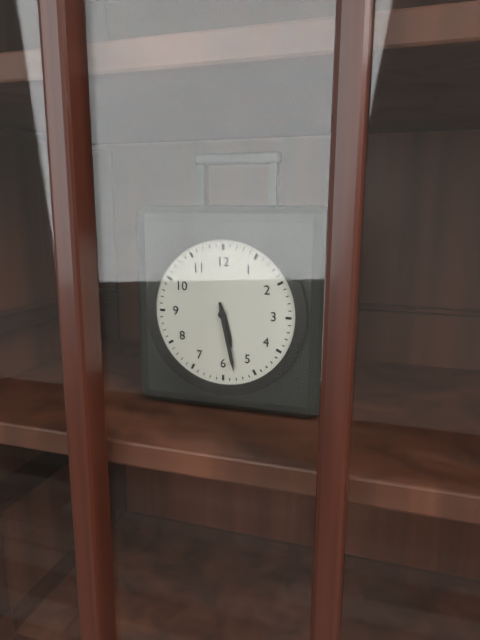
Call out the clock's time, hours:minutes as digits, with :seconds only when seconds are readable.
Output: 5:28
